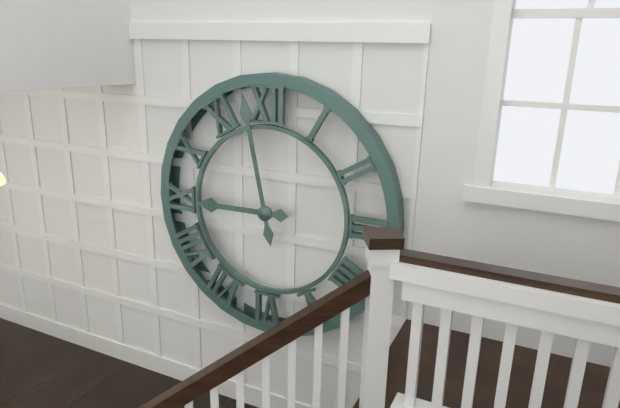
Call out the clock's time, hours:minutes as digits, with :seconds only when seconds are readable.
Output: 8:58
